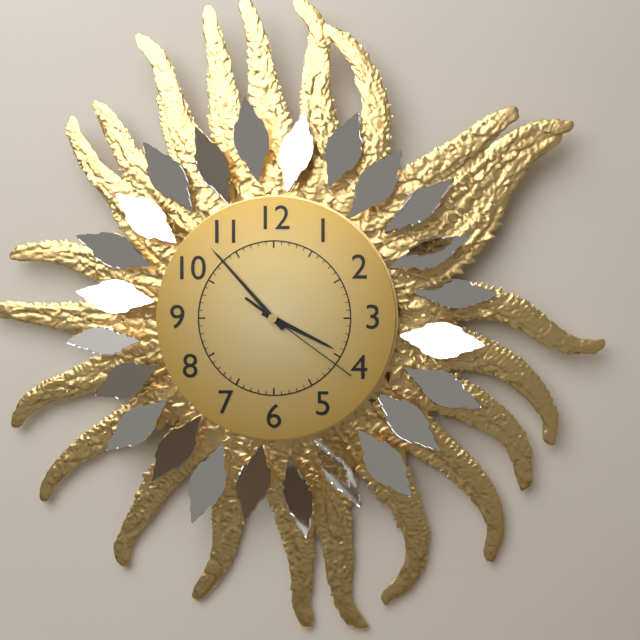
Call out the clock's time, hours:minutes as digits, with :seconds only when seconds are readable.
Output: 3:53:21
